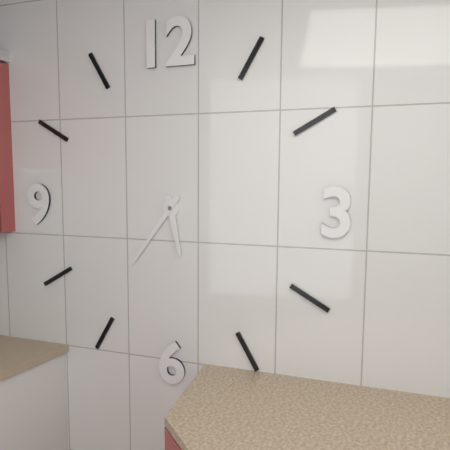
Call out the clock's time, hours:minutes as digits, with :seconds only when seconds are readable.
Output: 5:36
